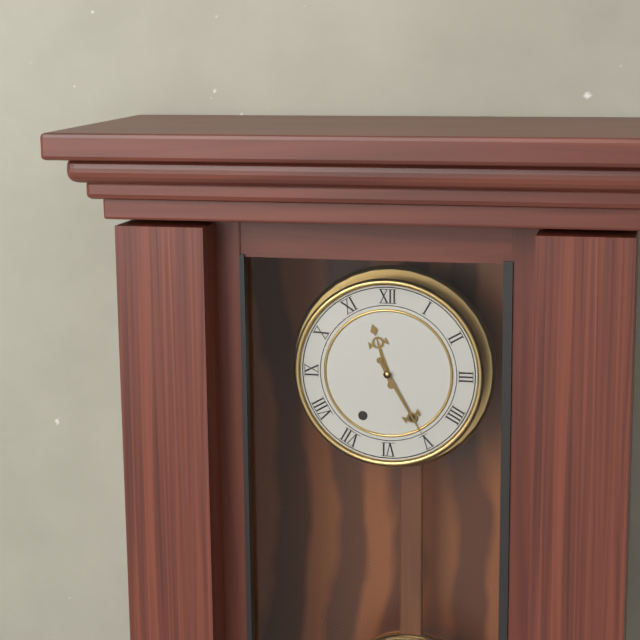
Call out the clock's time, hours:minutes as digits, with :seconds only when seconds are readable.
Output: 11:25
